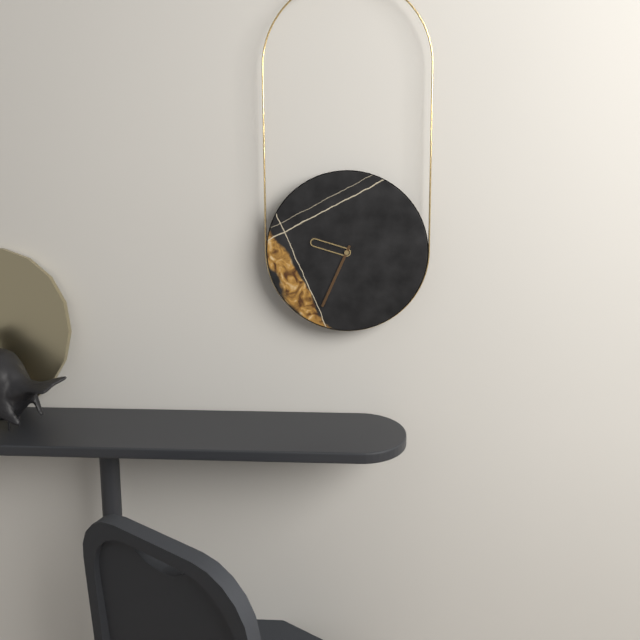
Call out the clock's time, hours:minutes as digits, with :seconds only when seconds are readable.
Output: 9:34
